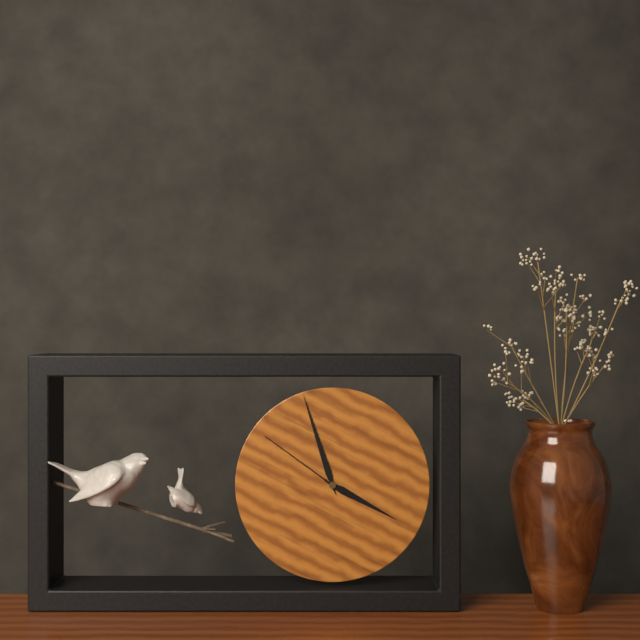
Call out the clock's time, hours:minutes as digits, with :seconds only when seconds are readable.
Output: 3:57:51
